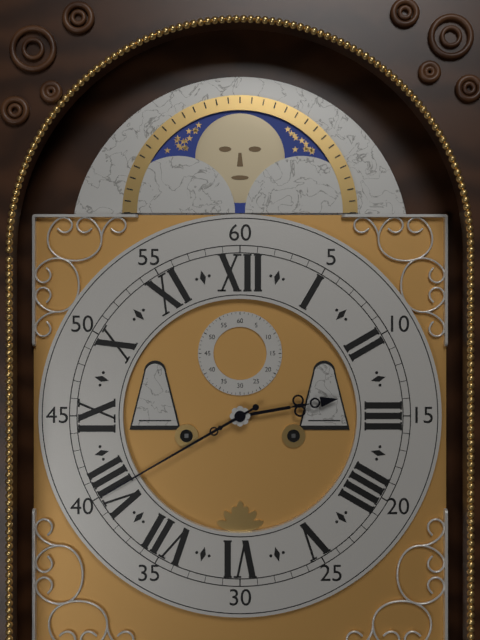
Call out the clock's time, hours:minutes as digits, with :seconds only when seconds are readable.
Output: 2:40
